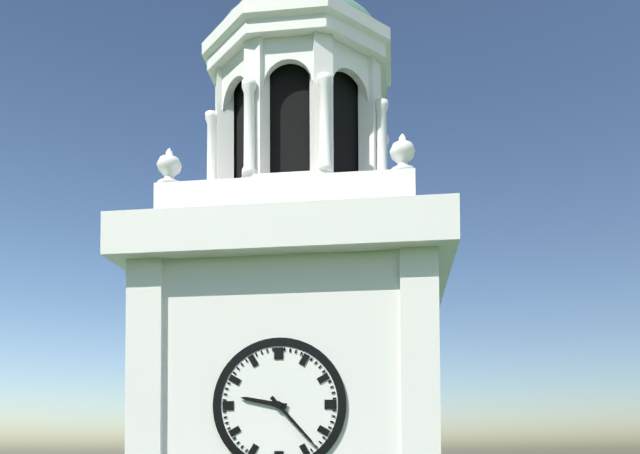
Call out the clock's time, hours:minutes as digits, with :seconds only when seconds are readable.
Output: 9:23
